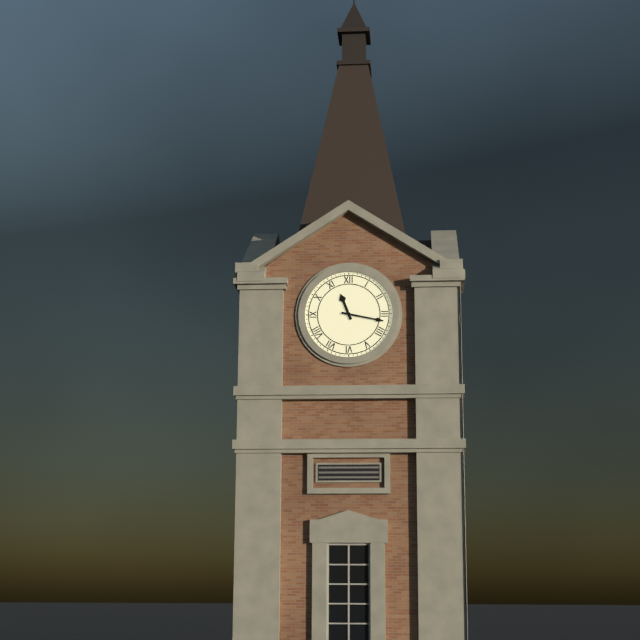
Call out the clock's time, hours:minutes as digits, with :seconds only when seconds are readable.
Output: 11:17
